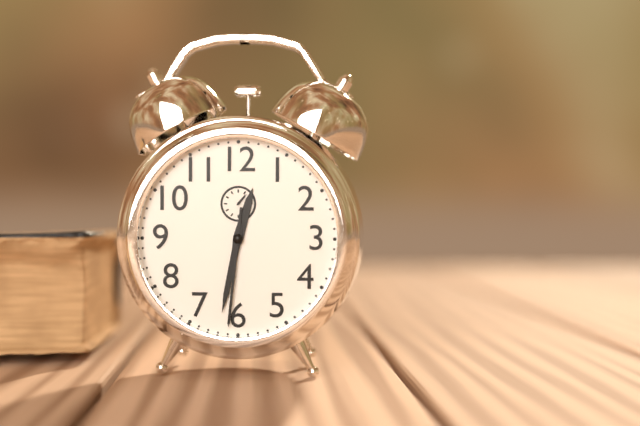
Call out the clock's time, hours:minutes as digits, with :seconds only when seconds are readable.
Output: 12:32:31
